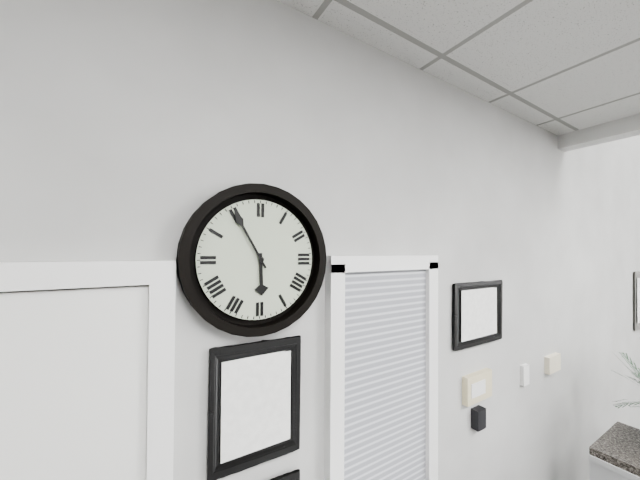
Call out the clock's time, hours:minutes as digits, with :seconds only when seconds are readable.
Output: 5:55
